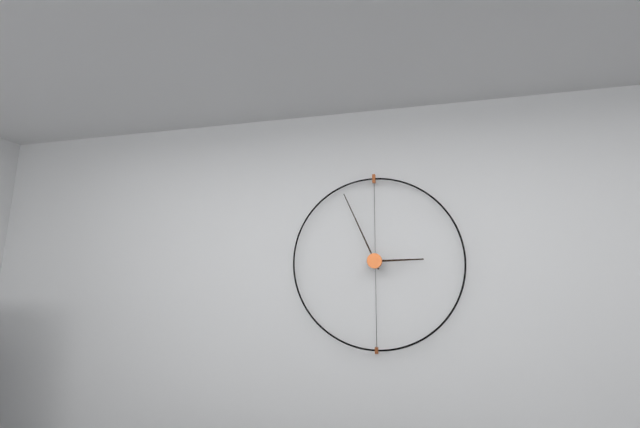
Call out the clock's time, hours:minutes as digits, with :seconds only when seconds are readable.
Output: 2:56
